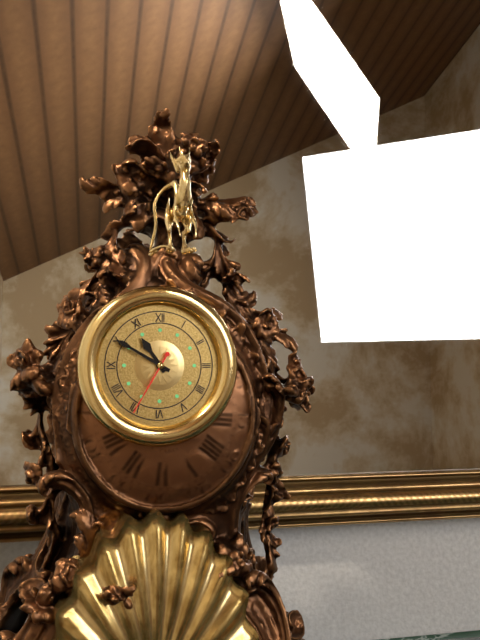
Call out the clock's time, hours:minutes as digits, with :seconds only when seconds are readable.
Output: 10:50:35
